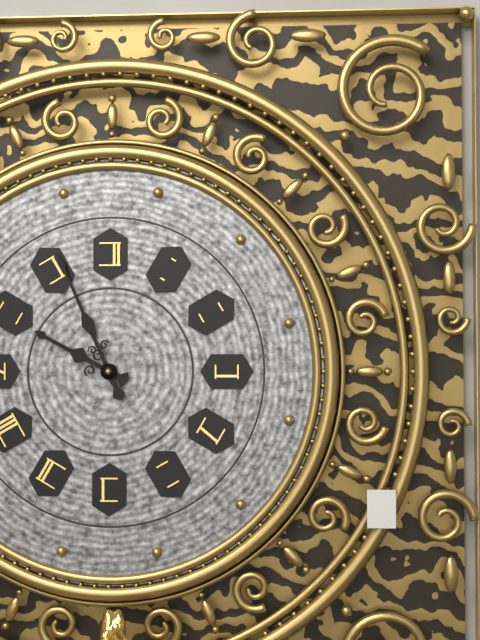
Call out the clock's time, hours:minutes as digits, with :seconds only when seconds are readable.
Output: 9:56
